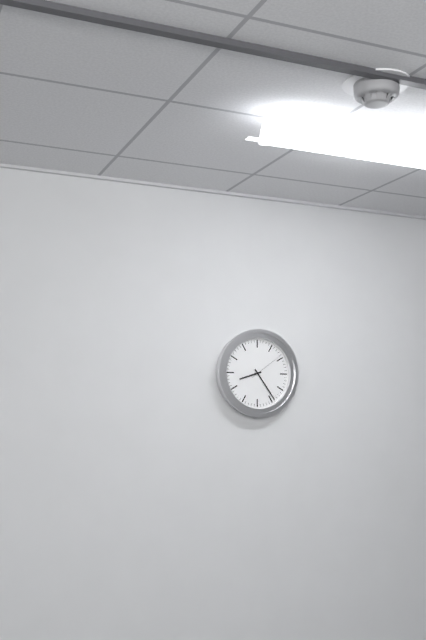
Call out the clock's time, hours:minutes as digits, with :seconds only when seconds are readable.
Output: 8:24
